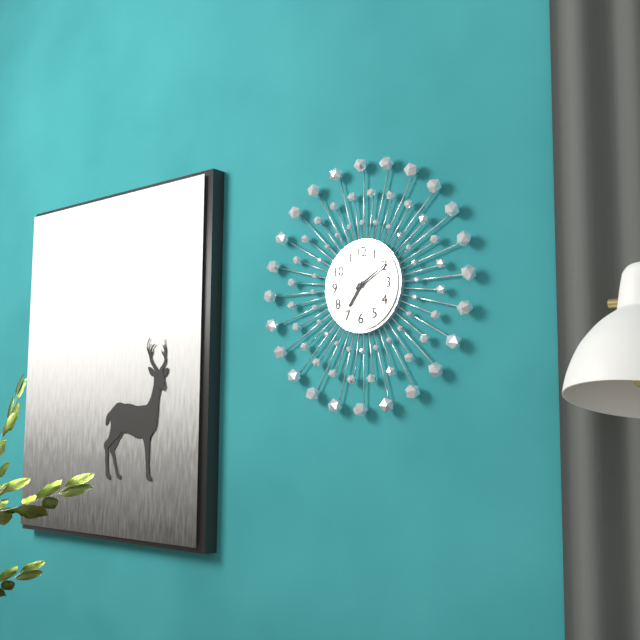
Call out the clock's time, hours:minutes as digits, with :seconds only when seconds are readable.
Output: 7:10
